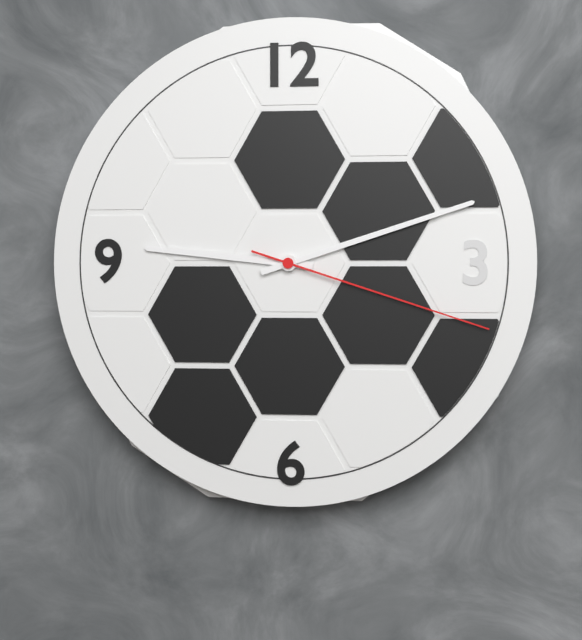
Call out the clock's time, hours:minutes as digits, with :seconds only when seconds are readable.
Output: 9:12:18
